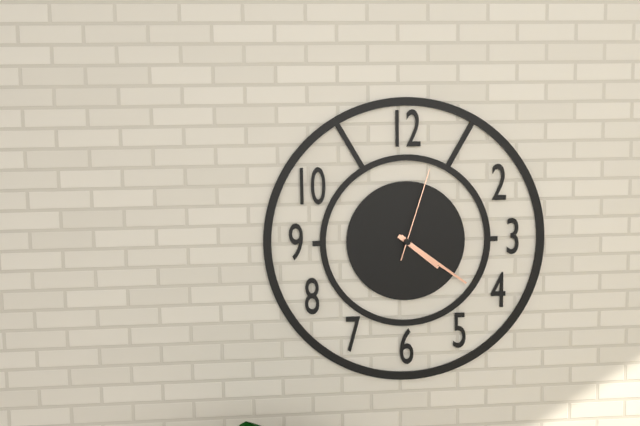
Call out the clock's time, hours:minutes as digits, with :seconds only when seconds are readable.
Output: 4:21:03
